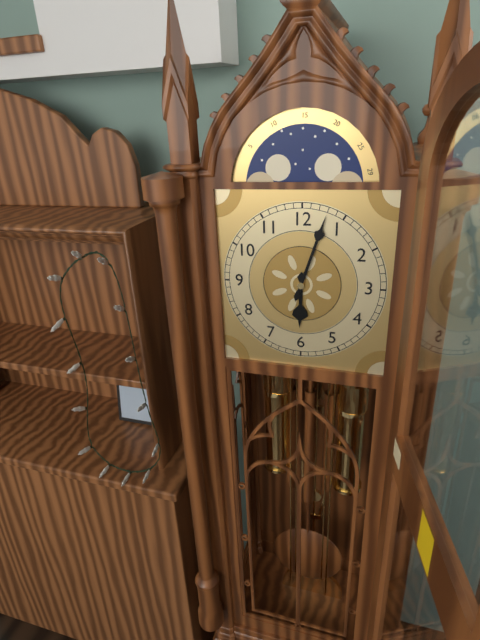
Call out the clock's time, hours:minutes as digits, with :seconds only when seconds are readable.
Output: 6:03
